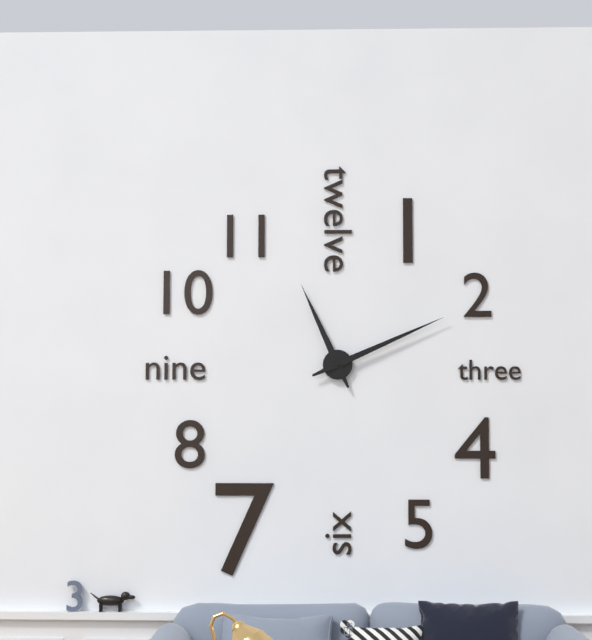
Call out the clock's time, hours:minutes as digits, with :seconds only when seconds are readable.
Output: 11:11
